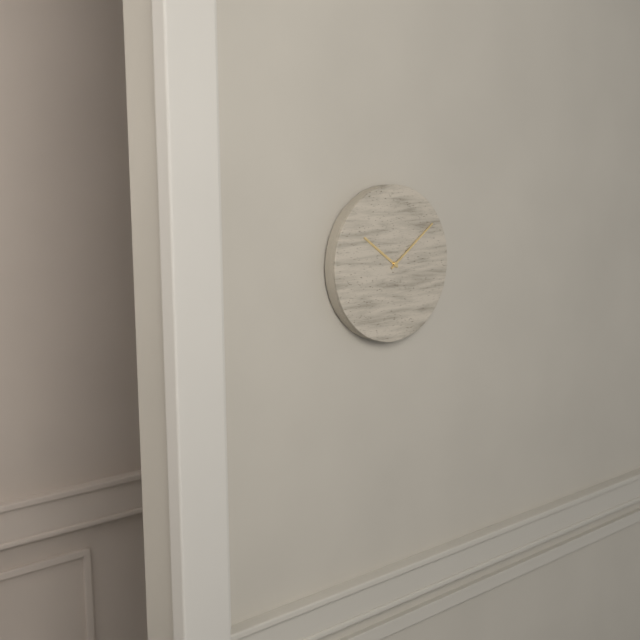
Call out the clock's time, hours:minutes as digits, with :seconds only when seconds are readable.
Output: 10:09
